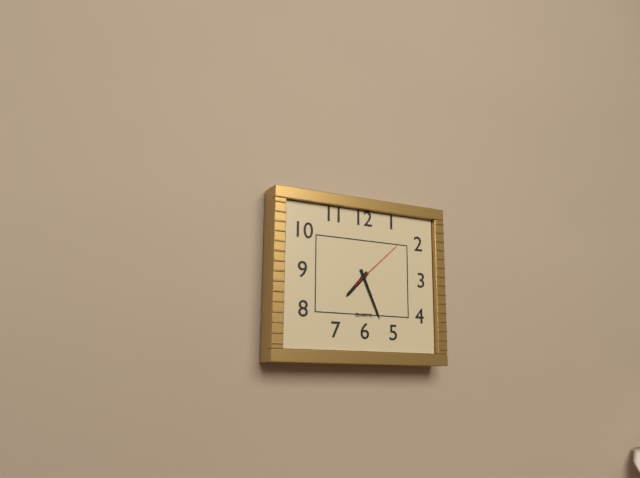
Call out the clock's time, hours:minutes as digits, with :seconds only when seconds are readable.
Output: 7:26:08
